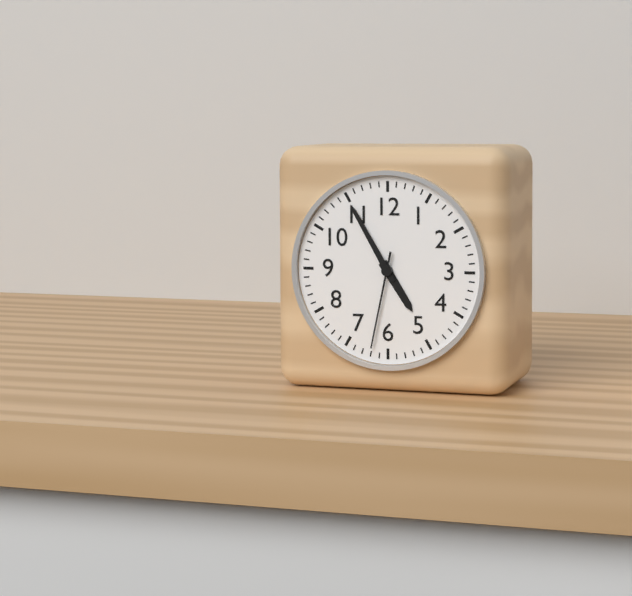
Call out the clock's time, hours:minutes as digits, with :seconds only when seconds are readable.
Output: 4:55:32
